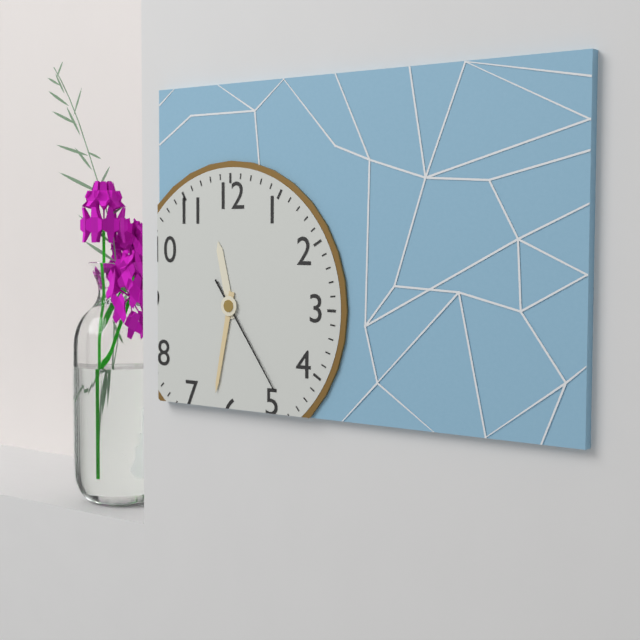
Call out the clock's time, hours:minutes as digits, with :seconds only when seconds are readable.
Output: 11:32:24
